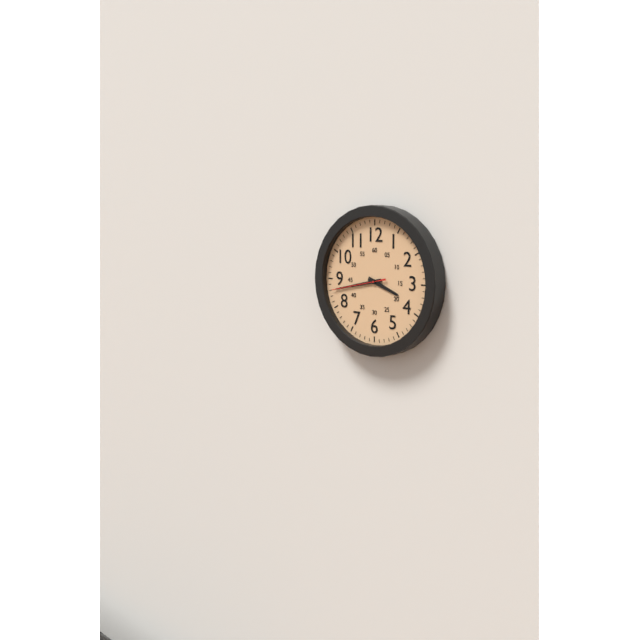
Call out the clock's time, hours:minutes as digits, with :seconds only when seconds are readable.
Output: 3:43:43
